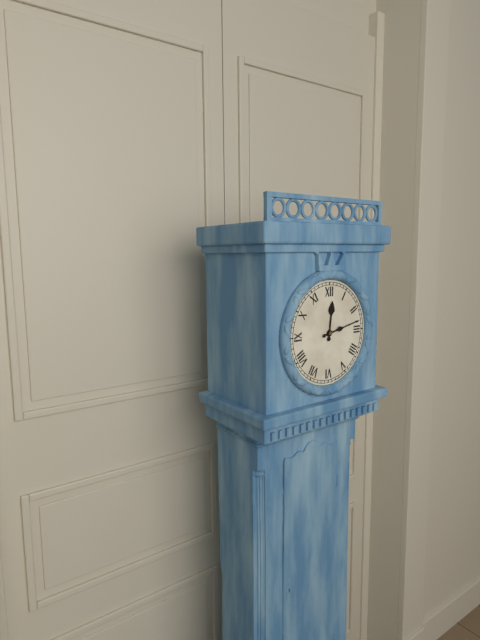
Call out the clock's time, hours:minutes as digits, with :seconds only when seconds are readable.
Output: 12:13
